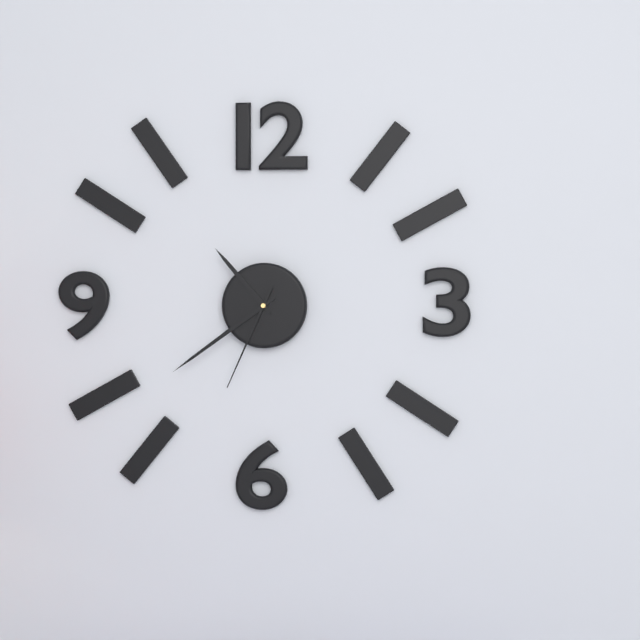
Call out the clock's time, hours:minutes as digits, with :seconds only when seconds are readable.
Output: 10:39:34
